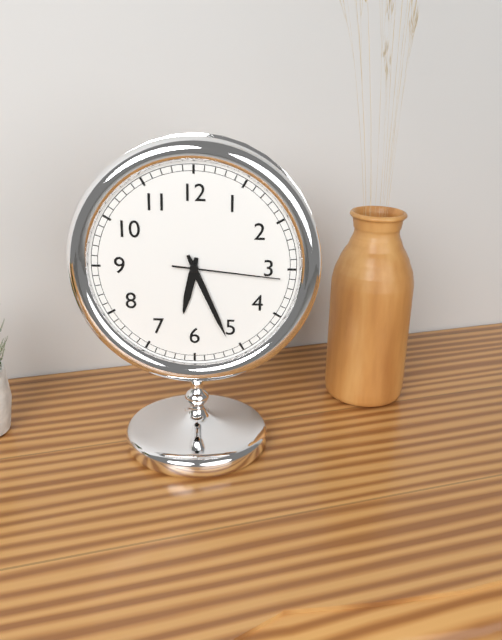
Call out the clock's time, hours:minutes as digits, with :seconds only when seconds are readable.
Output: 6:26:16
